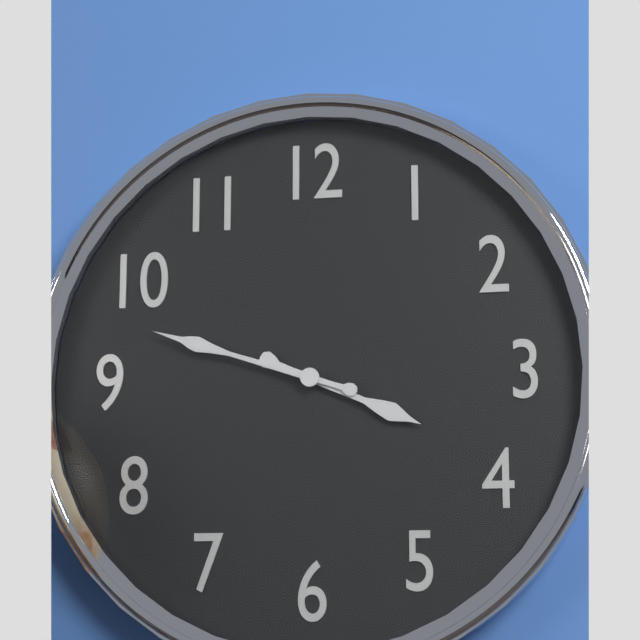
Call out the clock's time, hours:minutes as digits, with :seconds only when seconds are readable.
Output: 3:48
